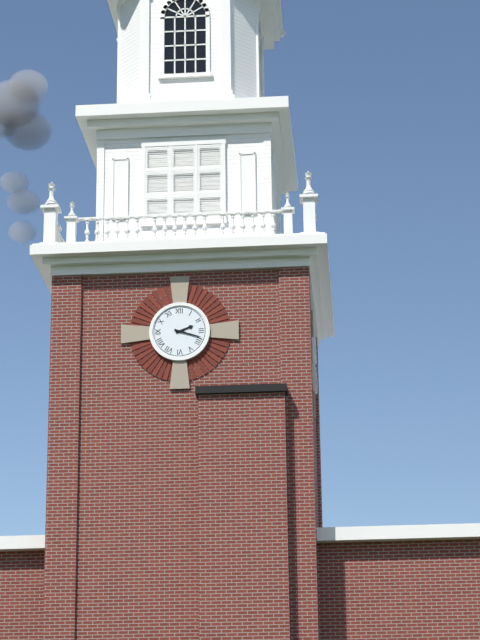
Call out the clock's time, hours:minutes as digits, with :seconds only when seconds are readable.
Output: 2:18
